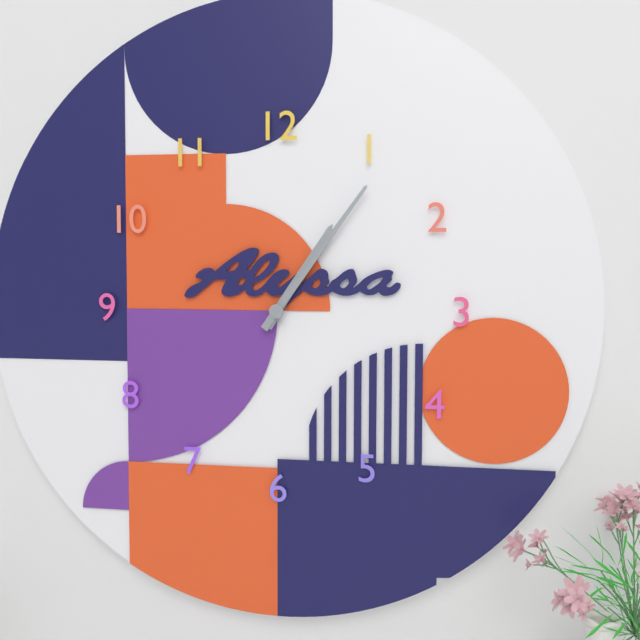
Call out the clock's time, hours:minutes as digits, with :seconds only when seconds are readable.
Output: 1:06
